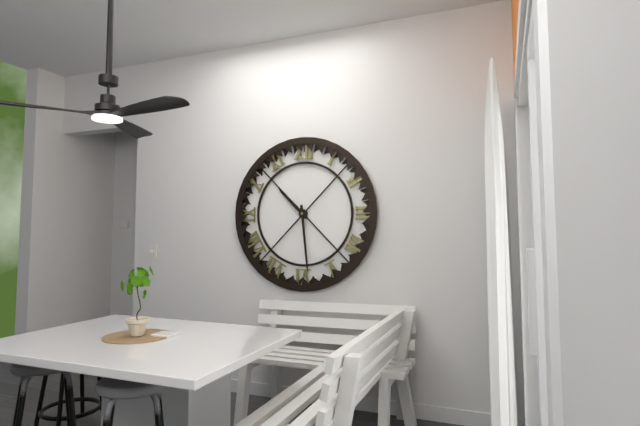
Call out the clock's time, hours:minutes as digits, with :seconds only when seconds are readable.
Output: 10:29
